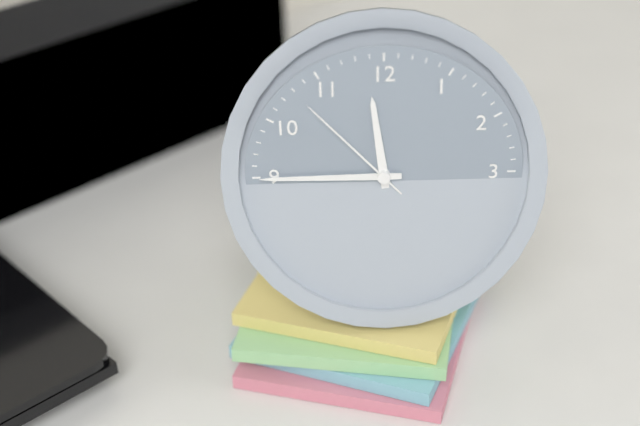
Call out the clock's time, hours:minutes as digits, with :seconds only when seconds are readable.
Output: 11:45:53
